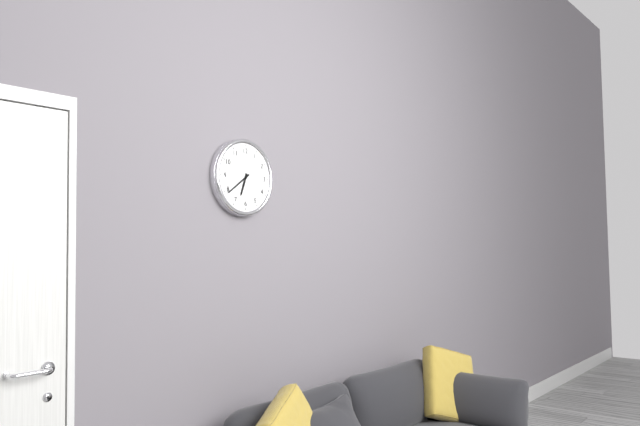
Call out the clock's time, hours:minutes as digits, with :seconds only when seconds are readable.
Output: 6:39
